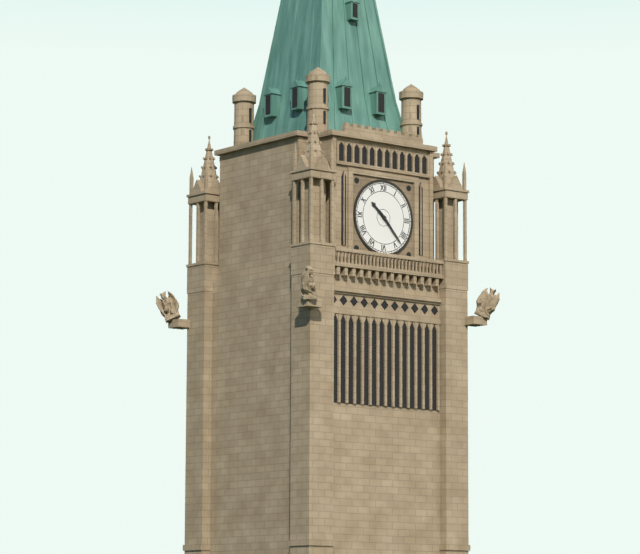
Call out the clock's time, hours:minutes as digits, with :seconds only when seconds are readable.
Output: 10:23
